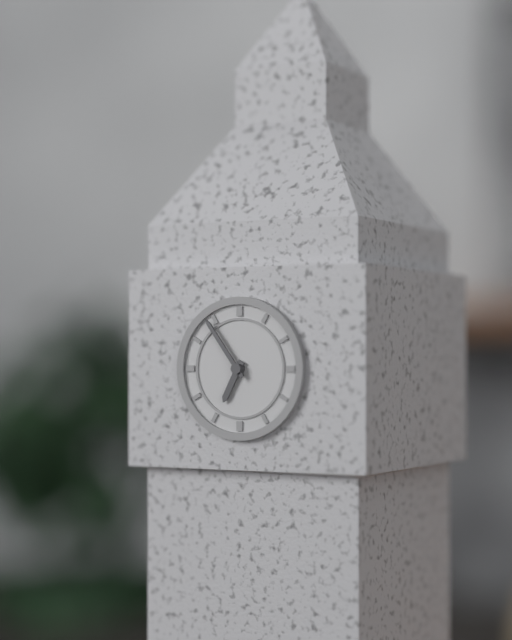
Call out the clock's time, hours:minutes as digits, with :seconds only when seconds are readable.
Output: 6:54
